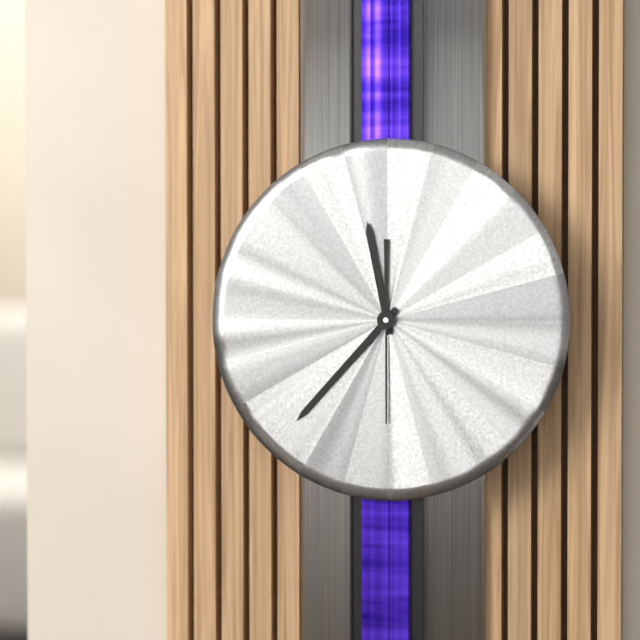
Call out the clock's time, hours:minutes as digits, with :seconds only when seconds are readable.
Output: 11:37:30
